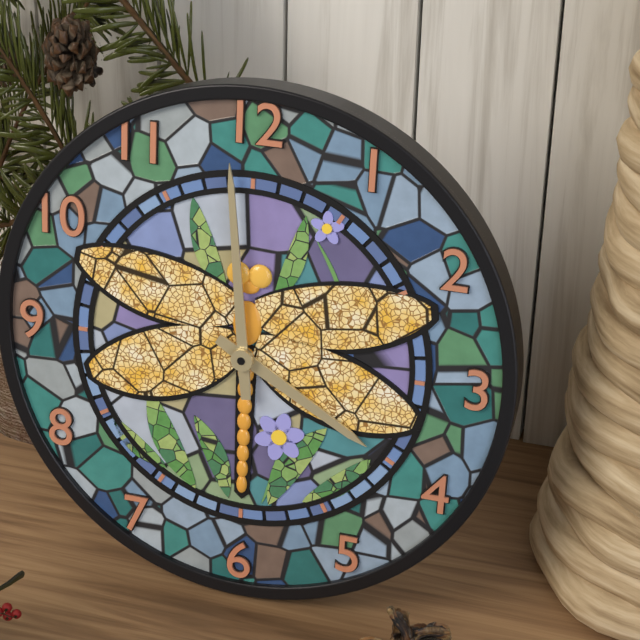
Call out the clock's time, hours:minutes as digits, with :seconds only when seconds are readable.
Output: 3:59
